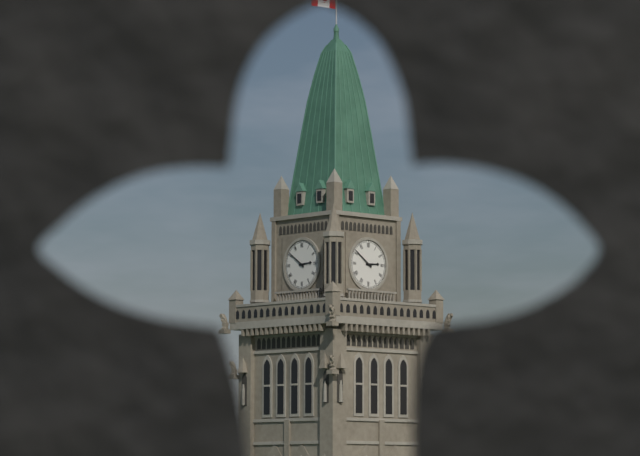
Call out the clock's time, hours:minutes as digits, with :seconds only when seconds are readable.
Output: 2:51
